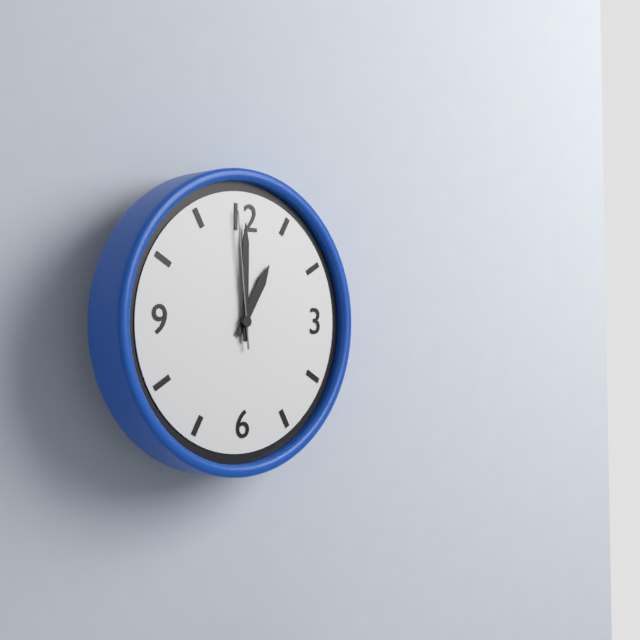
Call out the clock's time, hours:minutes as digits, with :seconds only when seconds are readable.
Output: 1:00:59
